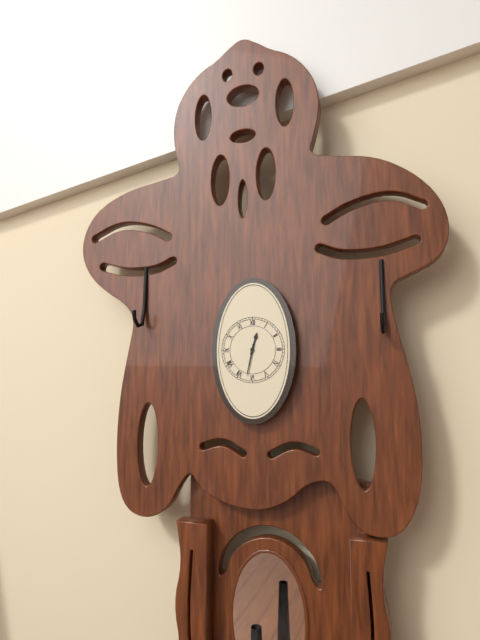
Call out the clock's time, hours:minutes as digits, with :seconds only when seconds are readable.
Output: 12:32
